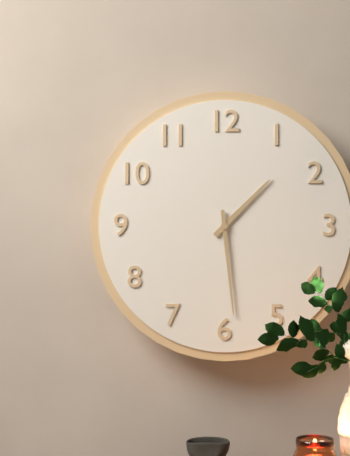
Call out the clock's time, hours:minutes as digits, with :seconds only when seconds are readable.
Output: 1:29
